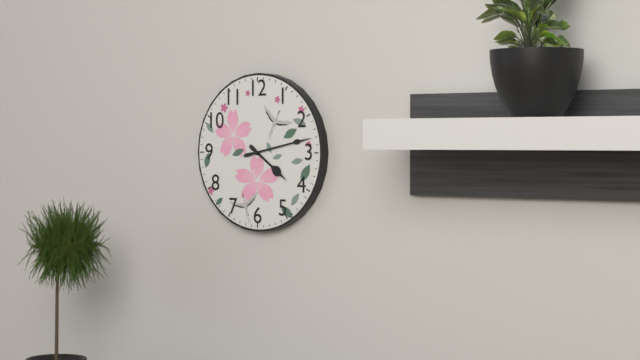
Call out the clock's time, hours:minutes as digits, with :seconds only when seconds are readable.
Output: 4:13
